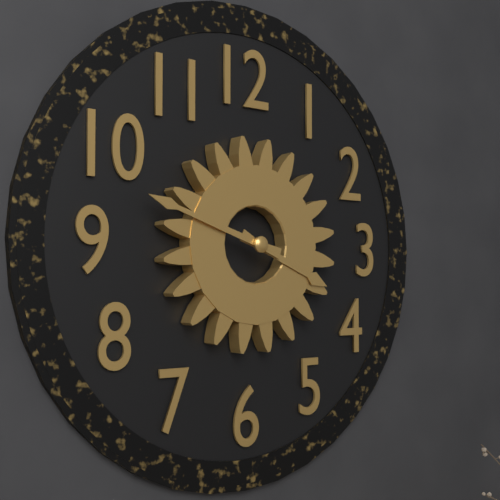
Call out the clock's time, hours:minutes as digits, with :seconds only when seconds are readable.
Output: 3:48
